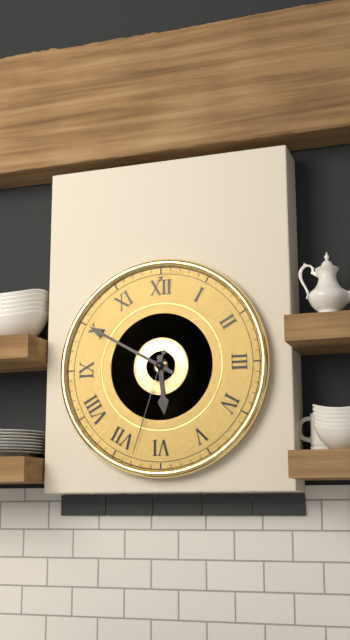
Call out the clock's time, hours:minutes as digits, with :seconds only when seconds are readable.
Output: 5:50:33
